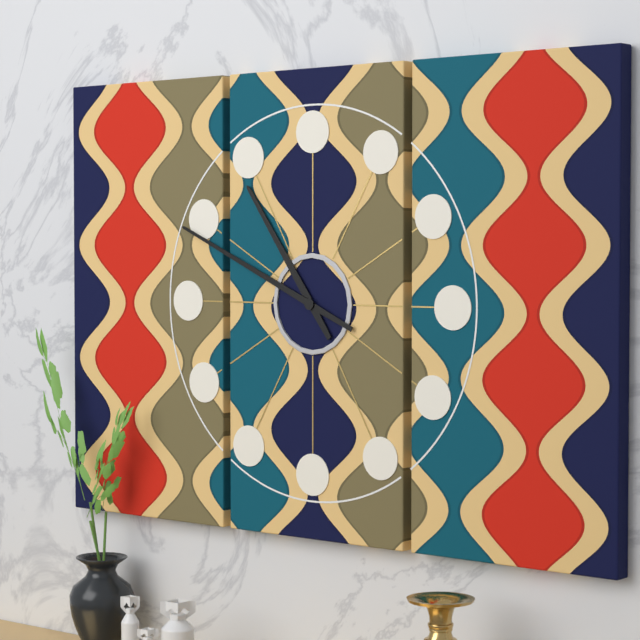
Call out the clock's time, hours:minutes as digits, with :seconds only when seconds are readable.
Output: 10:49
